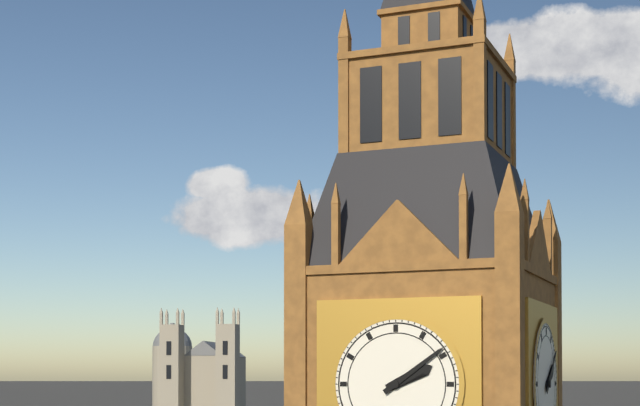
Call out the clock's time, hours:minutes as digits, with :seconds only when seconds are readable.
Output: 2:09
